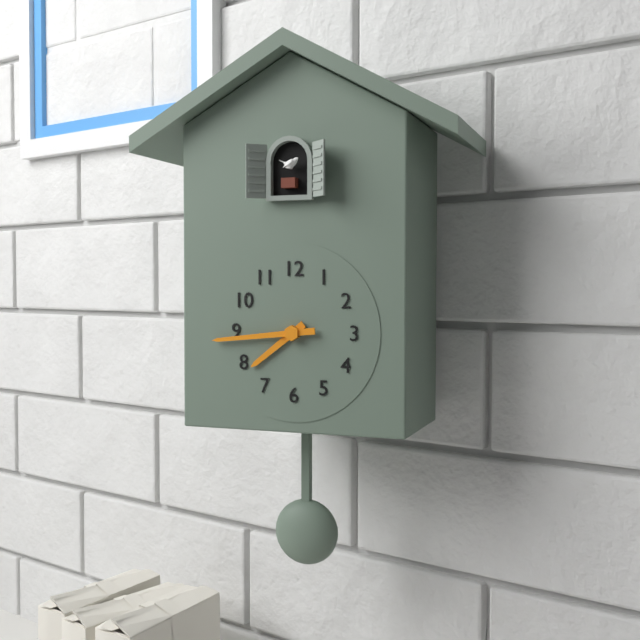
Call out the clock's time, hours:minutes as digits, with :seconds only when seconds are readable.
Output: 7:44
